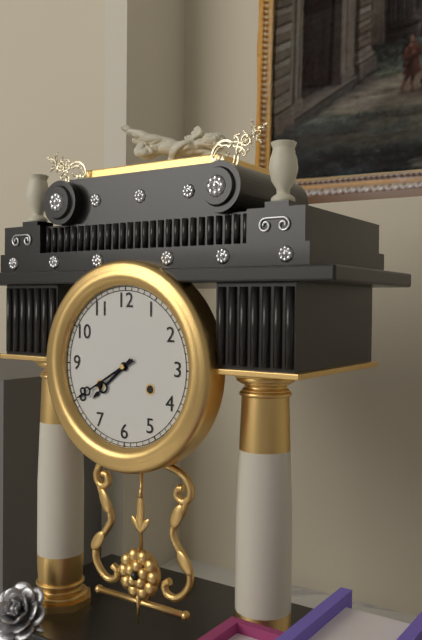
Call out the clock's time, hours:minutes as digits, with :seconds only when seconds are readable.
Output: 7:40
